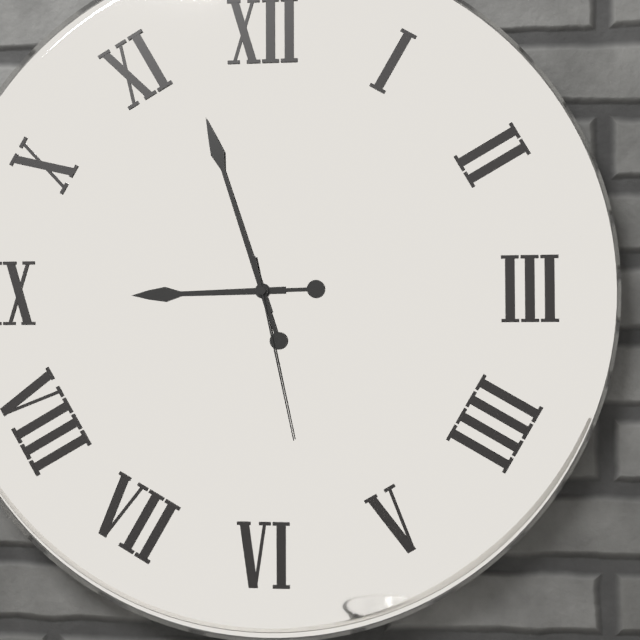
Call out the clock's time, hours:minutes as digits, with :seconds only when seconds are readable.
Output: 8:57:28
